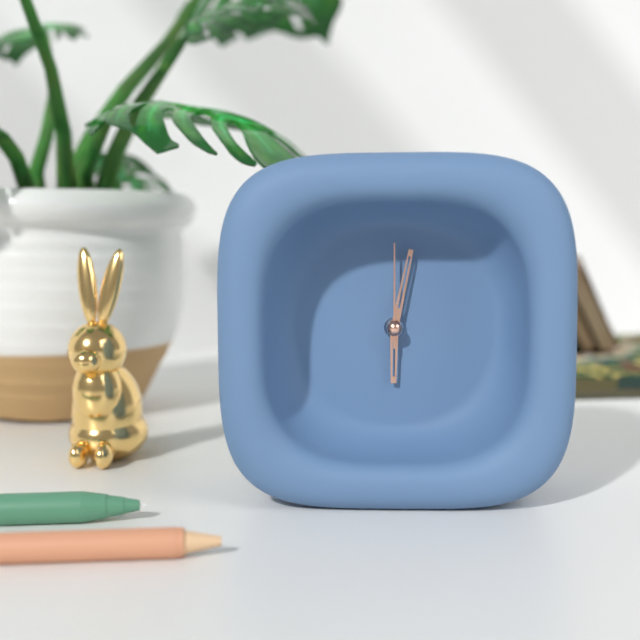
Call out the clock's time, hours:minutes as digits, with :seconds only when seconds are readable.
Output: 6:02:00
